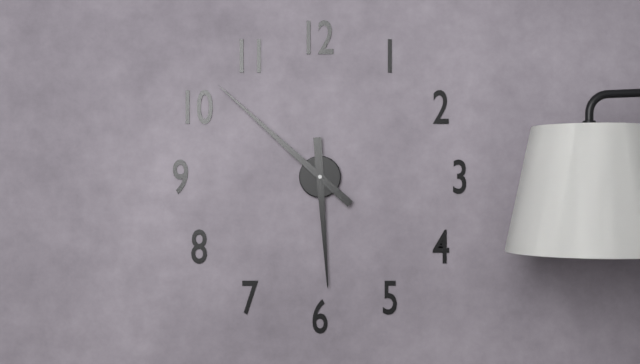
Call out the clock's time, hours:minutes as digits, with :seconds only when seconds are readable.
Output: 5:52
